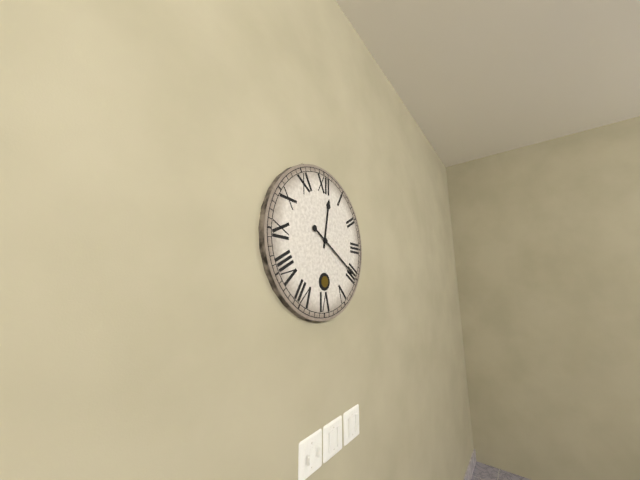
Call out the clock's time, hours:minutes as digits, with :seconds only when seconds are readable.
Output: 12:20
